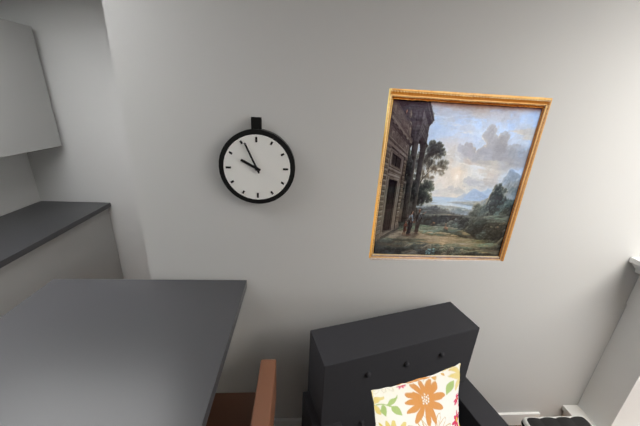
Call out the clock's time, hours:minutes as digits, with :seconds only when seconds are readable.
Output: 9:56
